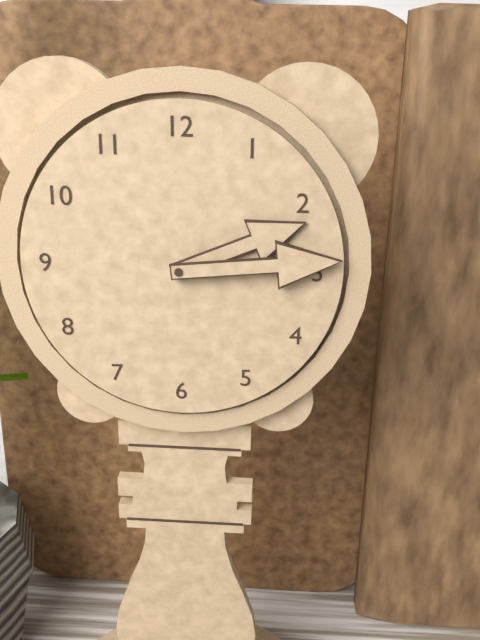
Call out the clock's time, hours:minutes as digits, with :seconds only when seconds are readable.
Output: 2:14
